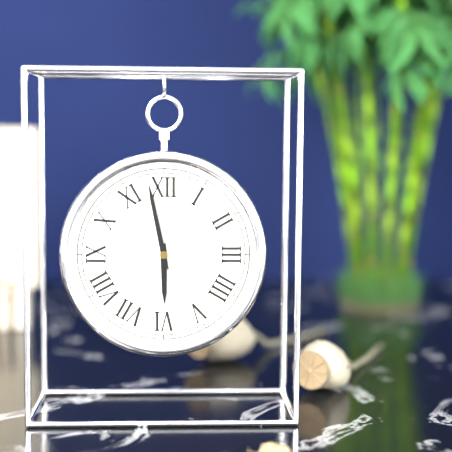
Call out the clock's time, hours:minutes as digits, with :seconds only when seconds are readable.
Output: 5:58
